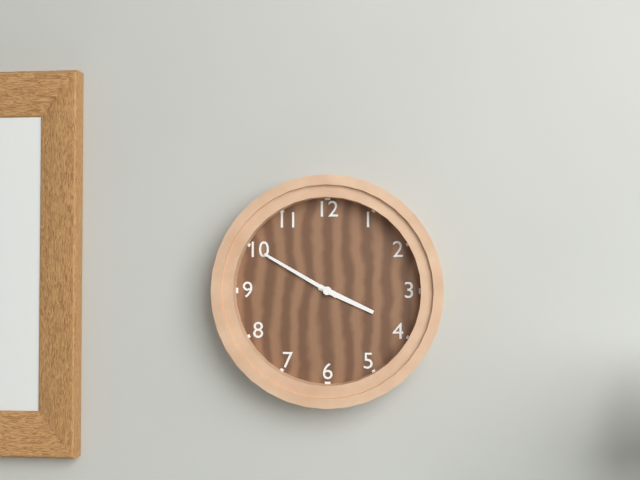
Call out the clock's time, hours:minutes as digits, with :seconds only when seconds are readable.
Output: 3:50
